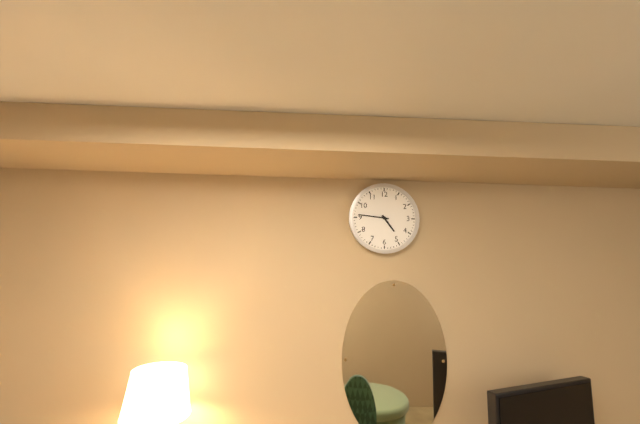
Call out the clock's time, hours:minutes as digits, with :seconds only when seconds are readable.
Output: 4:46
